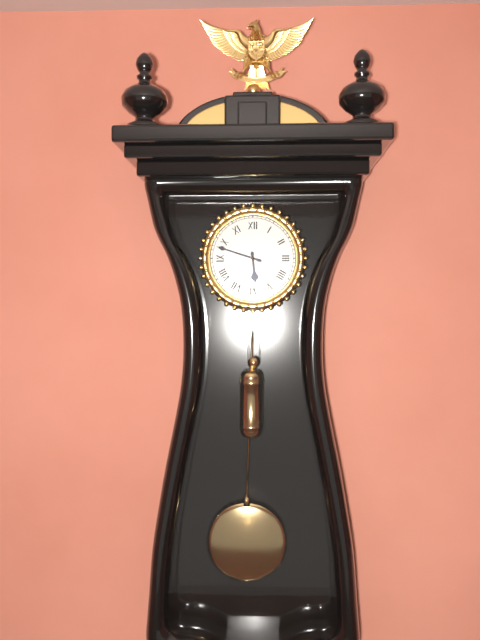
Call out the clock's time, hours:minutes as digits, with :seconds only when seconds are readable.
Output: 5:48
